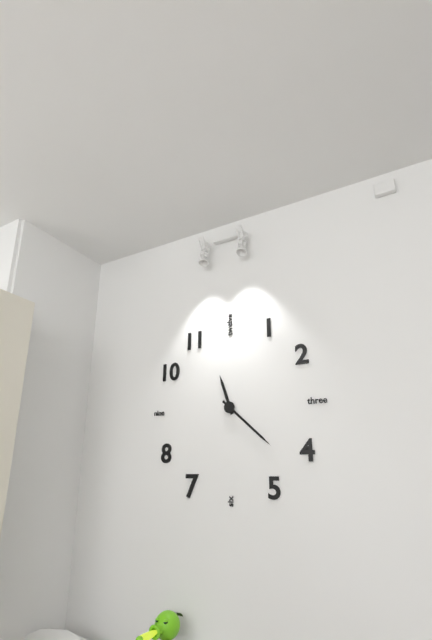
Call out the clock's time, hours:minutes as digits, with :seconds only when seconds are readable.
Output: 11:22
